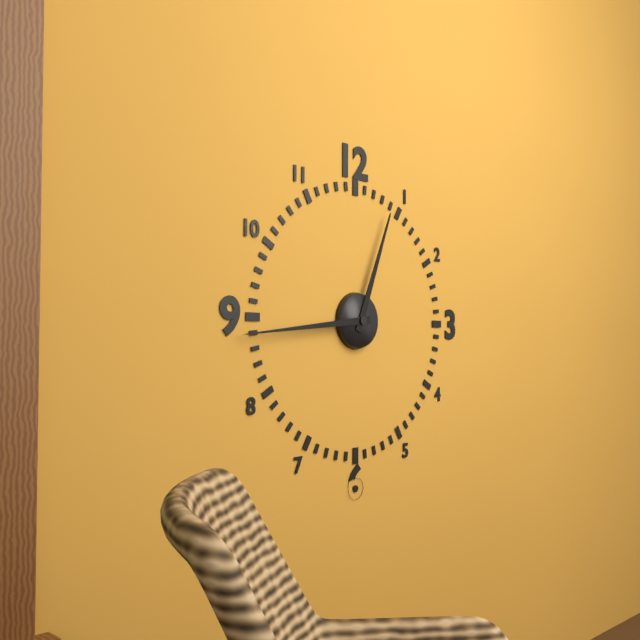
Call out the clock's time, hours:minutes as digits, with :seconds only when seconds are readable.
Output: 12:44
